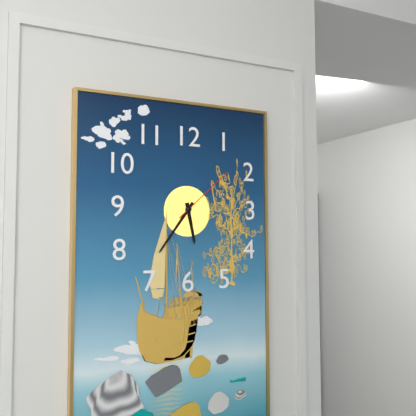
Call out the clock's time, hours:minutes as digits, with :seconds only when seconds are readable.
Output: 5:36:08
